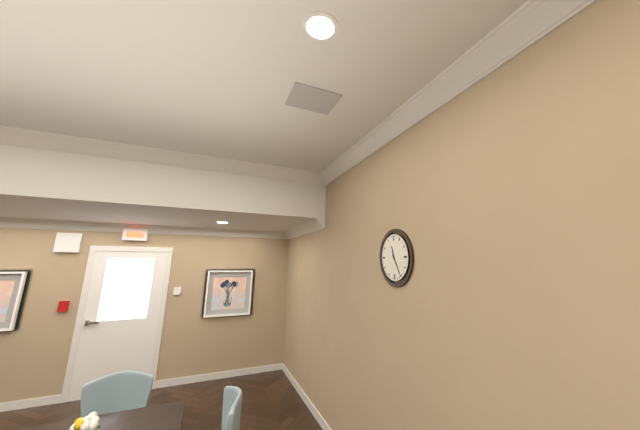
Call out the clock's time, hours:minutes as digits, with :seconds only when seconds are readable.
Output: 11:25
